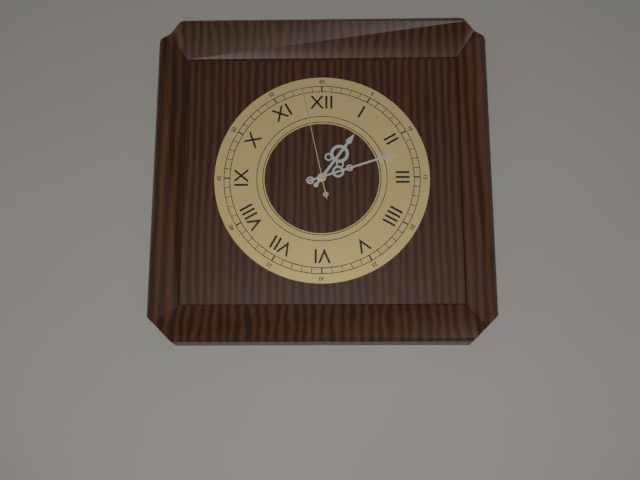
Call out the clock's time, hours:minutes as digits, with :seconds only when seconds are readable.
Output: 1:12:58
